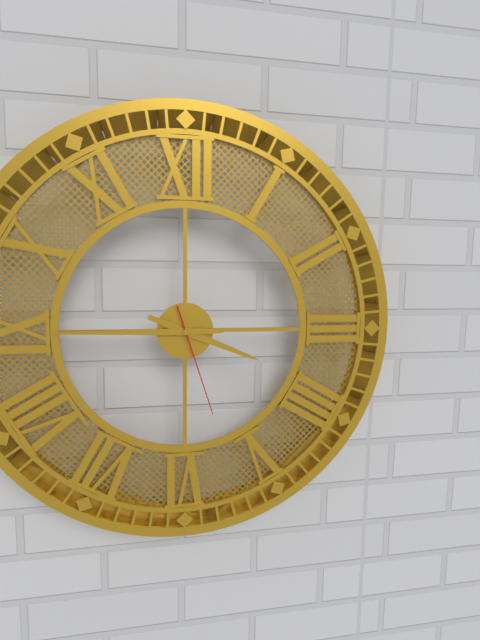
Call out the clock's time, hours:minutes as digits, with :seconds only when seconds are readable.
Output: 3:45:27
